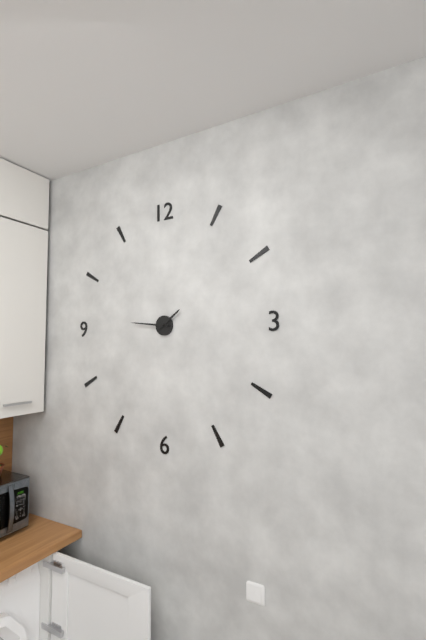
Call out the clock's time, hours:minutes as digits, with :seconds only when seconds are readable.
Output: 1:46
